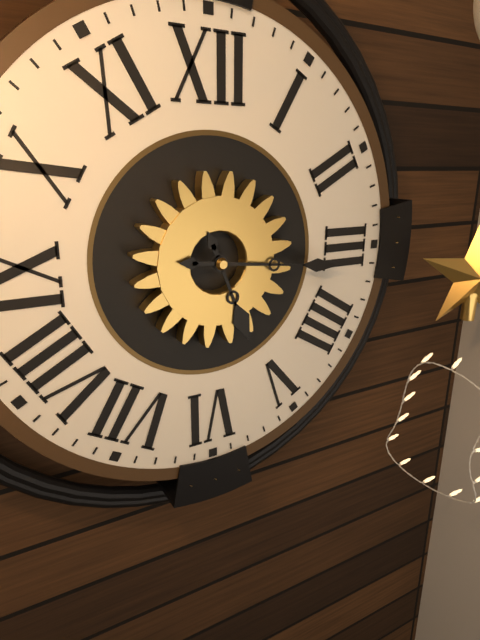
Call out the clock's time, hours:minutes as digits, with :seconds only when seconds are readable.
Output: 5:16
